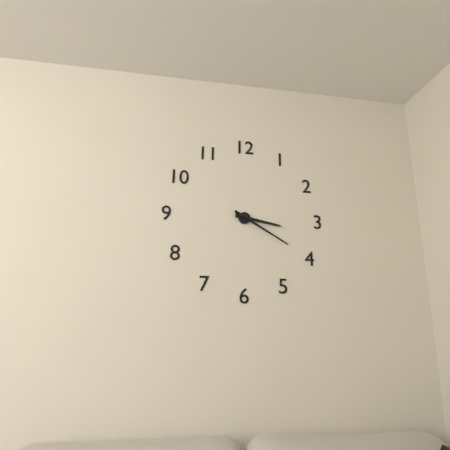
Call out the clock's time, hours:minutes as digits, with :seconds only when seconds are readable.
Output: 3:20
